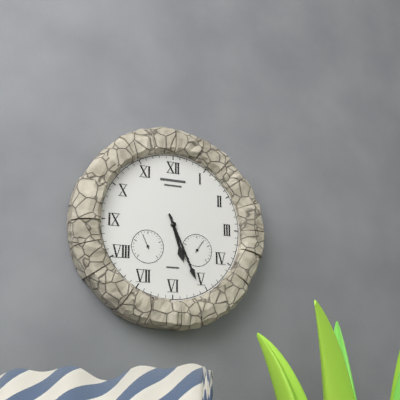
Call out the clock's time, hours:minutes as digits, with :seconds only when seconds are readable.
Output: 5:26
